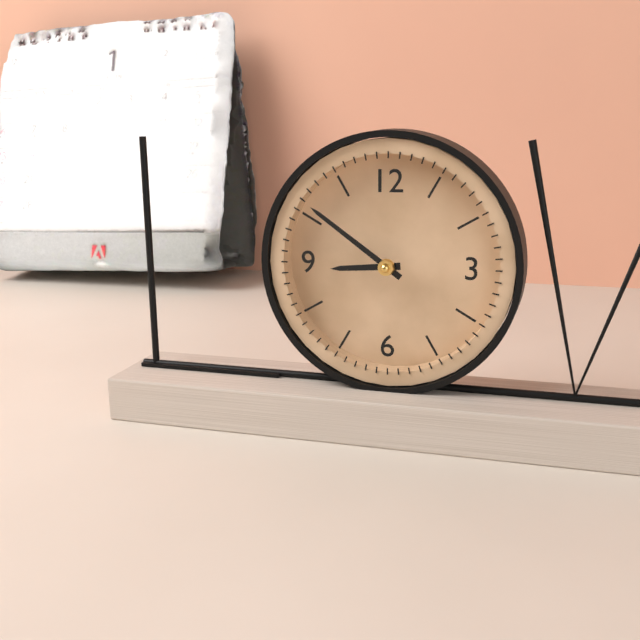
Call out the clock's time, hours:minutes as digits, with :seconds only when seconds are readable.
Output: 8:51
